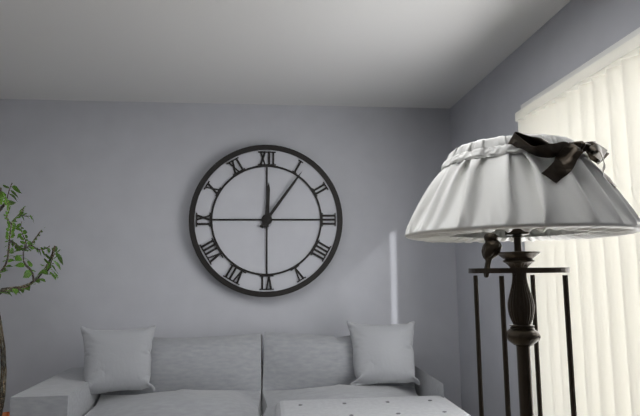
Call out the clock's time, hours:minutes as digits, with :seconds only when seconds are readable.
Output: 12:06
